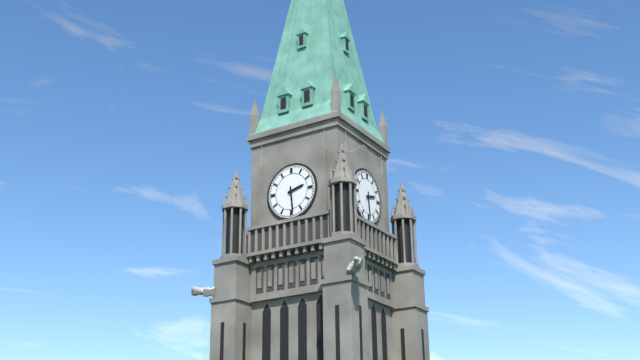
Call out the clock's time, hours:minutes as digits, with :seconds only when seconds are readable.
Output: 2:29
